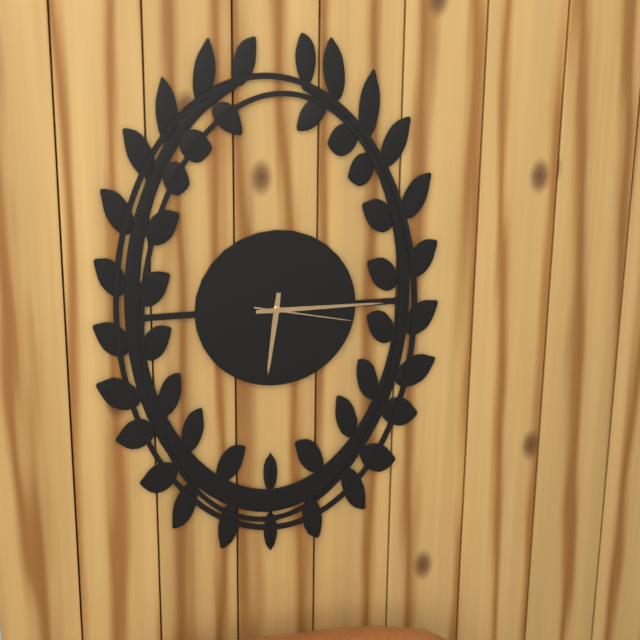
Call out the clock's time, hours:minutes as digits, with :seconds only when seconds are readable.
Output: 6:15:17
